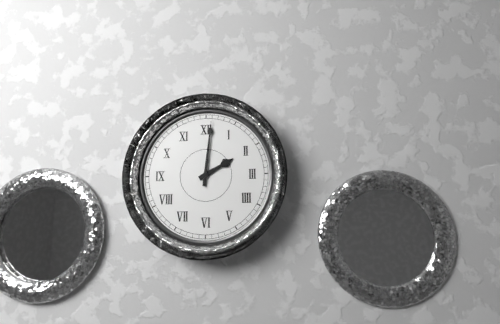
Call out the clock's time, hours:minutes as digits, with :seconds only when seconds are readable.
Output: 2:01
